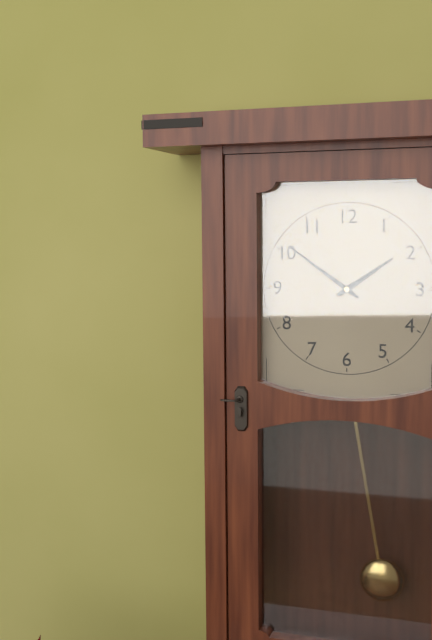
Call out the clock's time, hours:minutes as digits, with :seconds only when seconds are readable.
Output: 1:51
